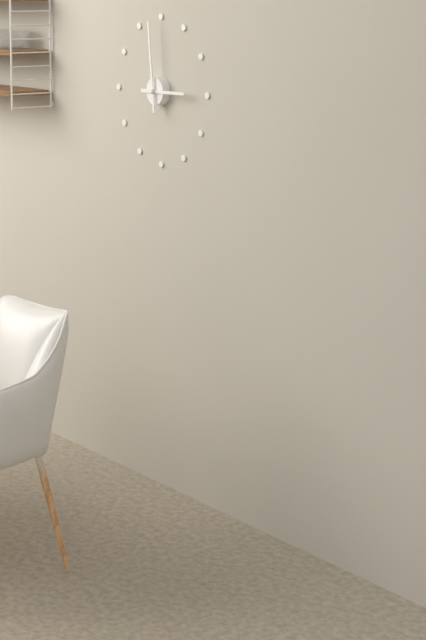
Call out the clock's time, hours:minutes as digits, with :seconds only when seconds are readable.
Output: 2:59
